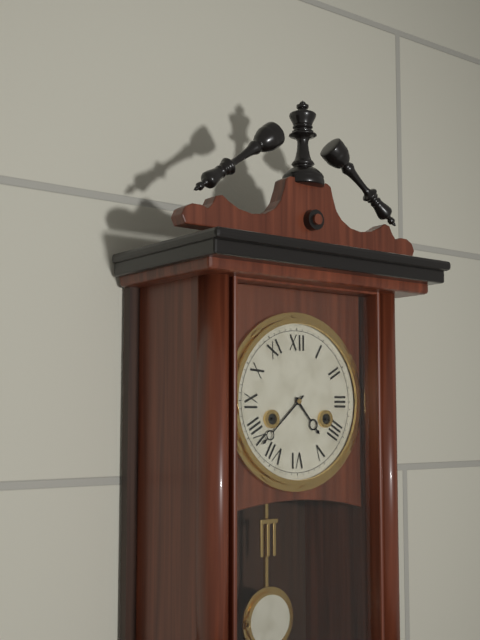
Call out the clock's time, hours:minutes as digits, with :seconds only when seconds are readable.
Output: 4:38
